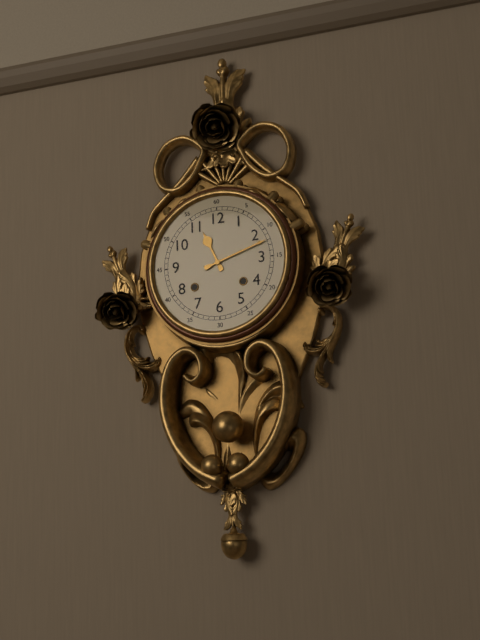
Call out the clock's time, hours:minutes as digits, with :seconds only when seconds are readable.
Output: 11:12
